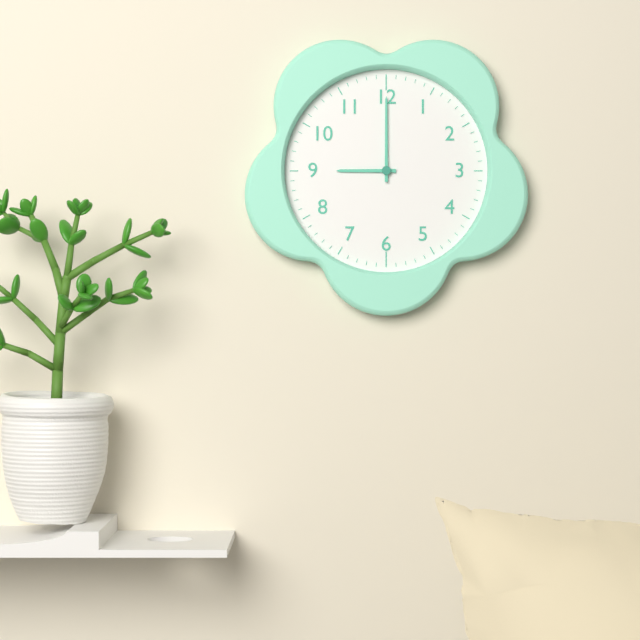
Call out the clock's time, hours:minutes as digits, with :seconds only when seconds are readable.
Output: 9:00
